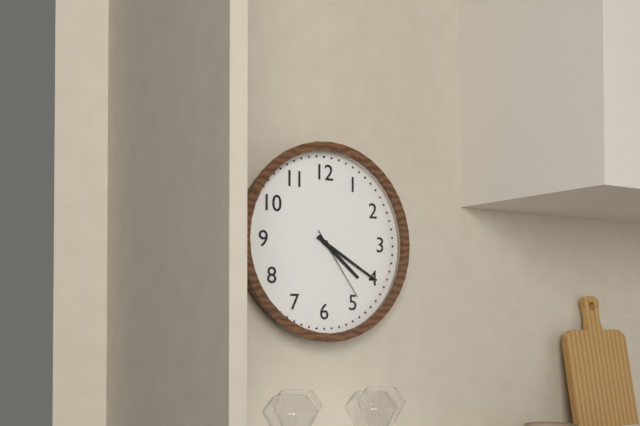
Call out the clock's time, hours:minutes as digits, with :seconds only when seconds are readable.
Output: 4:20:24
